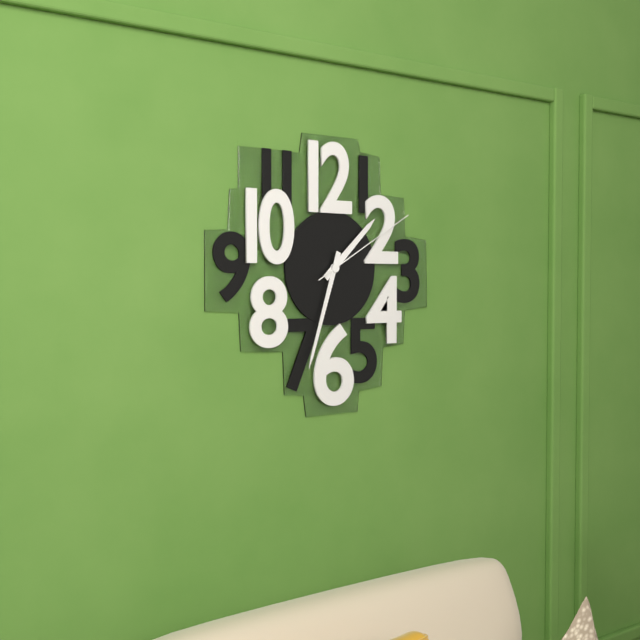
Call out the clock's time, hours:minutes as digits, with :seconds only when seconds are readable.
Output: 1:33:10
